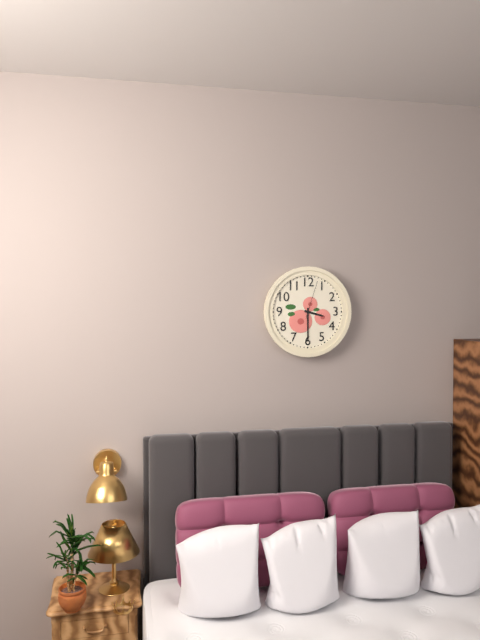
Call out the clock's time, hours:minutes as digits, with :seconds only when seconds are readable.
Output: 3:30
